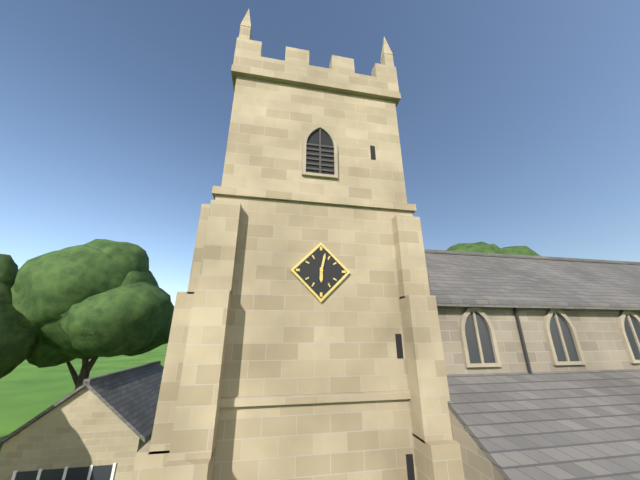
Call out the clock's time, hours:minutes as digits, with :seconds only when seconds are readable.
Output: 6:02
